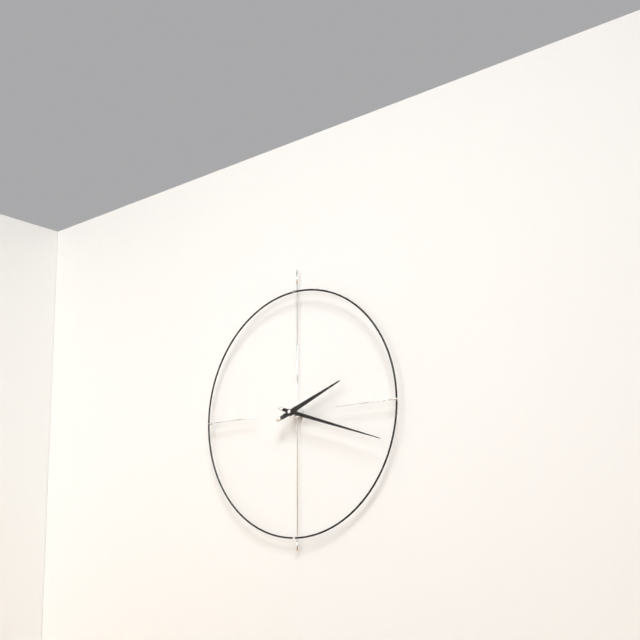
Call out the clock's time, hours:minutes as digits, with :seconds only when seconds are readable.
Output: 2:18
